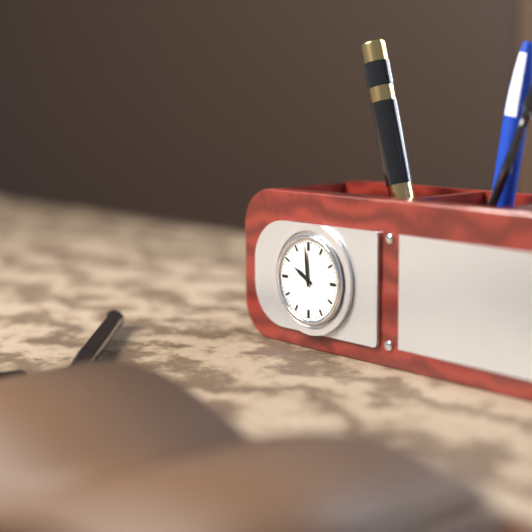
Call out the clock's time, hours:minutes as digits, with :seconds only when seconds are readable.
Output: 9:59
